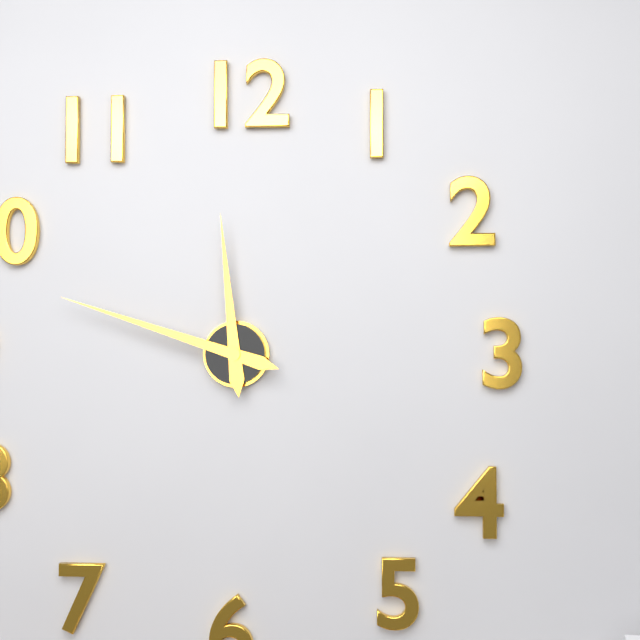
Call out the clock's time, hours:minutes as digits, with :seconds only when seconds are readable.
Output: 11:48
